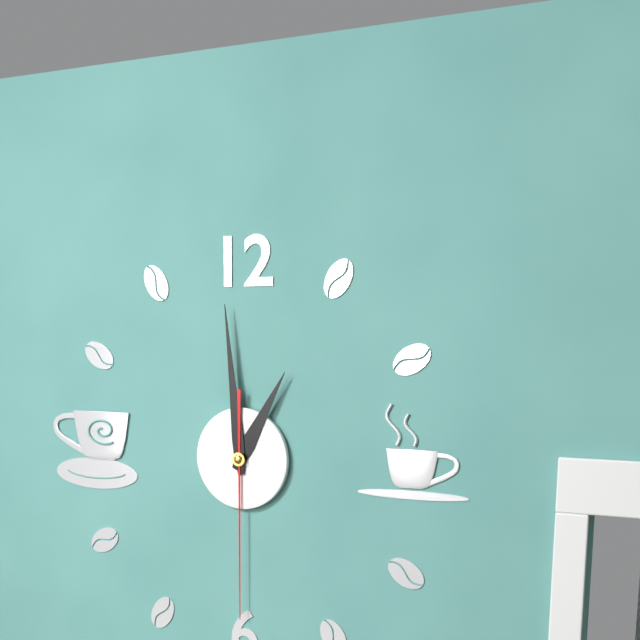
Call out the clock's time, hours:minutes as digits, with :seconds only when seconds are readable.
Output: 12:59:30
